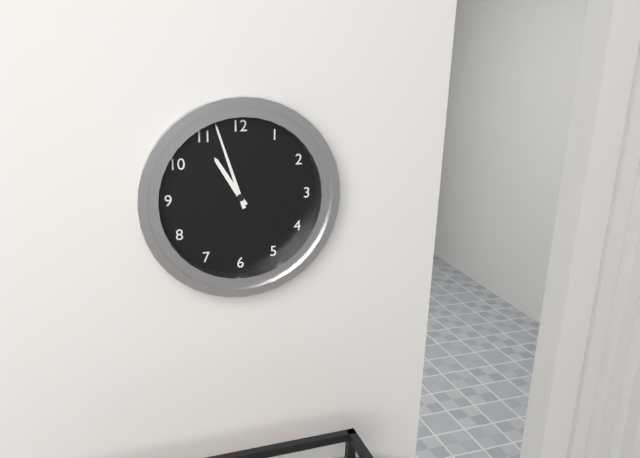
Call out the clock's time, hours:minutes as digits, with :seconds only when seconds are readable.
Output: 10:57
